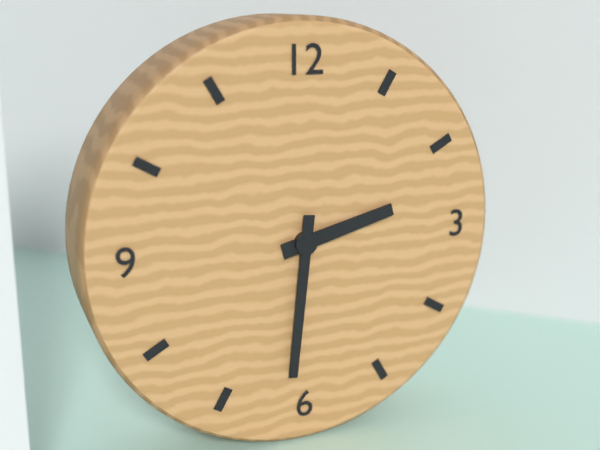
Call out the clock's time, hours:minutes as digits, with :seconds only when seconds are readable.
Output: 2:31
